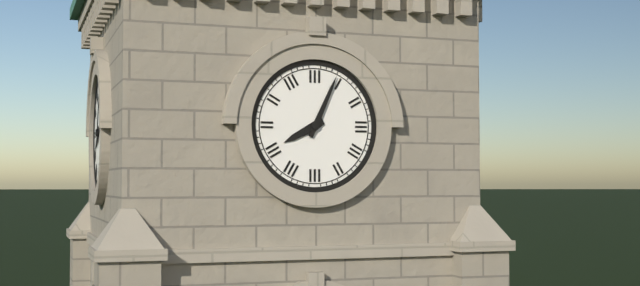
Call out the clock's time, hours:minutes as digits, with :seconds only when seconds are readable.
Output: 8:04
